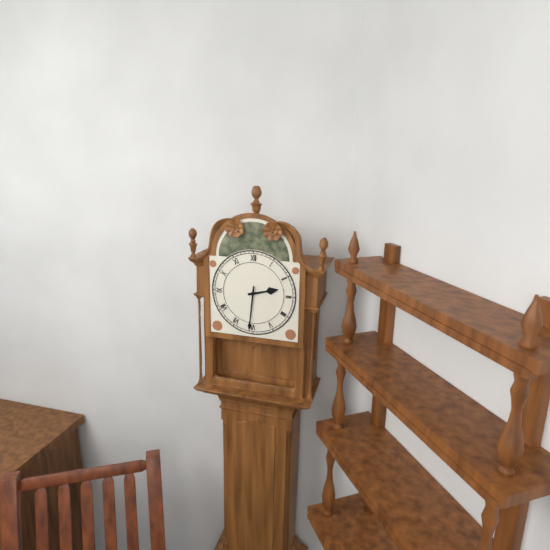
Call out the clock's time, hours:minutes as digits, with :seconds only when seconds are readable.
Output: 2:31
